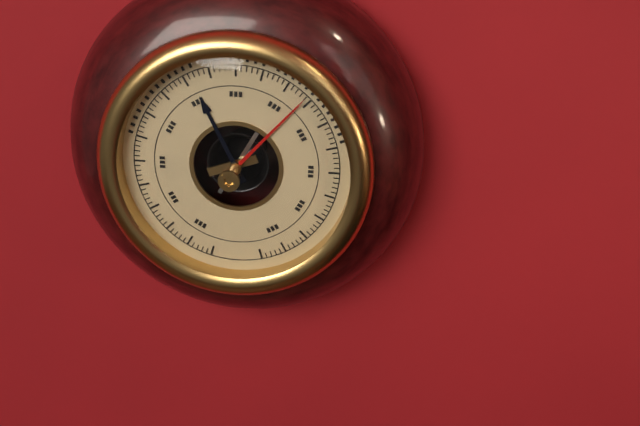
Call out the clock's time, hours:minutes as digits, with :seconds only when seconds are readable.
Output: 11:07
